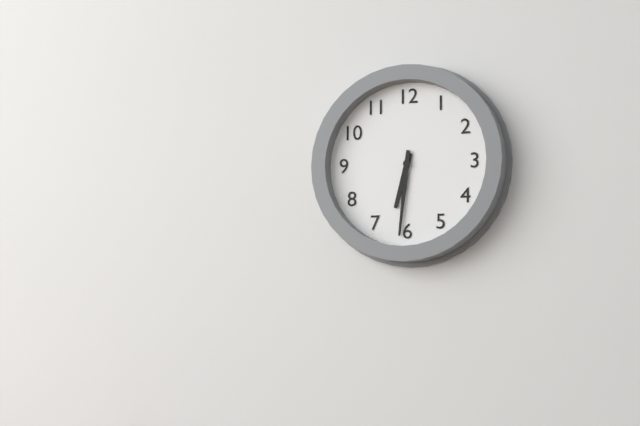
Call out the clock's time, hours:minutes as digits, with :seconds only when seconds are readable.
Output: 6:31
